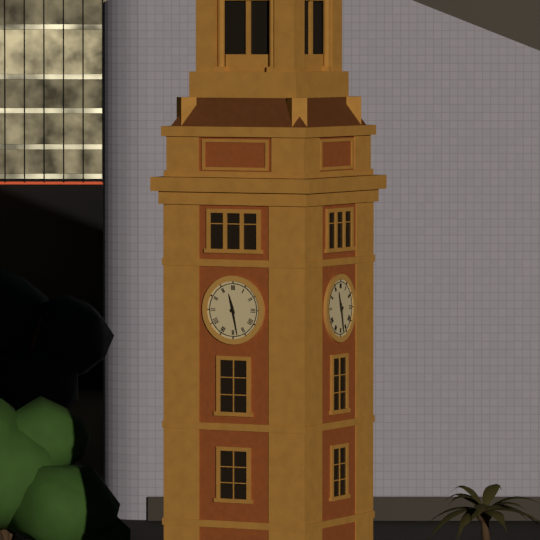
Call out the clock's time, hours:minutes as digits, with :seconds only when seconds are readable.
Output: 11:28
